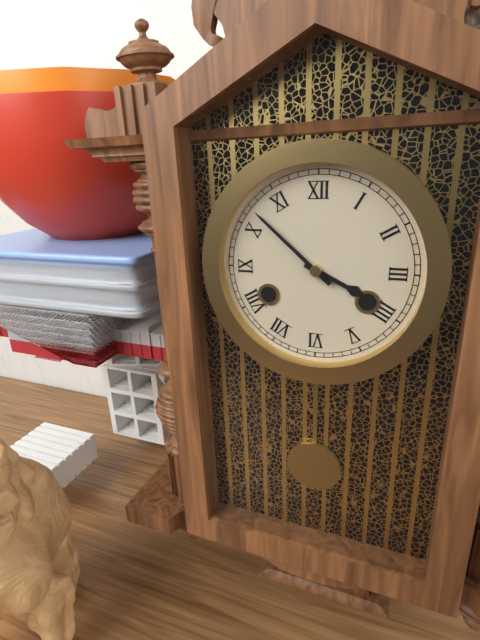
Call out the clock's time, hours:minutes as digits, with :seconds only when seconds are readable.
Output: 3:52
